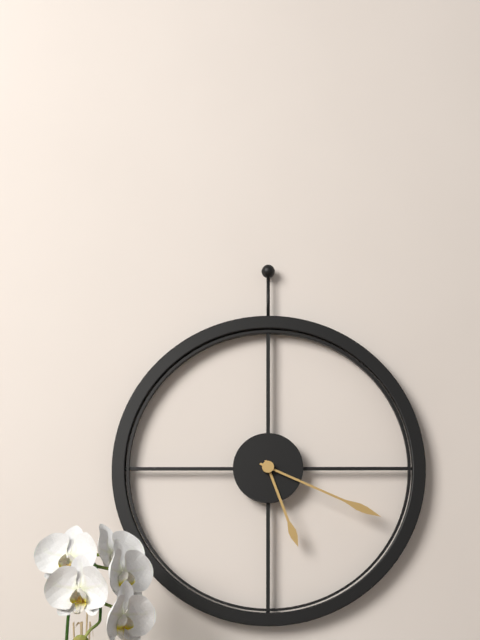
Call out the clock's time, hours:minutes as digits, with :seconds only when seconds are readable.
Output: 5:19
